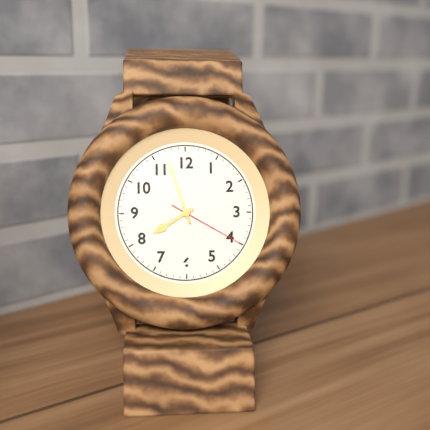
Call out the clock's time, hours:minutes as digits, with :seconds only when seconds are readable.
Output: 7:57:20
